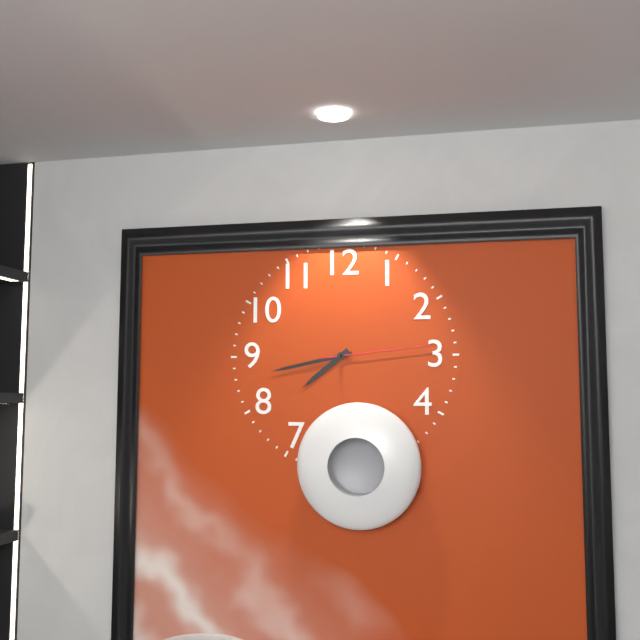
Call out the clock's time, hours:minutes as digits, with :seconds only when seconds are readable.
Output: 7:43:14
